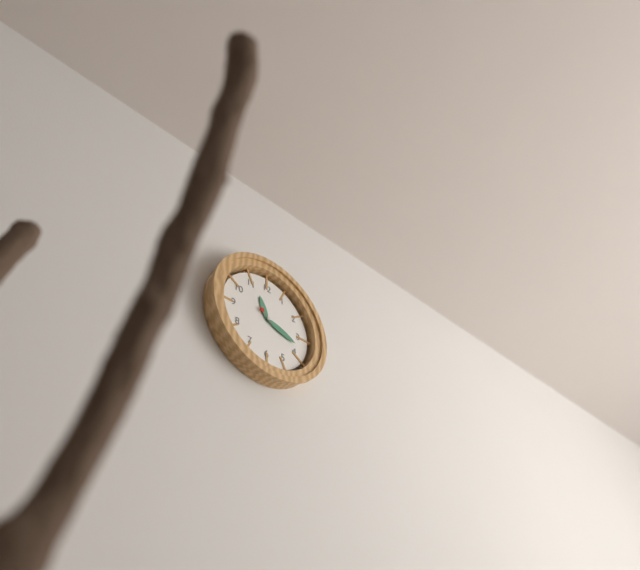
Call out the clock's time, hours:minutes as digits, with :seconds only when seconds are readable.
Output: 11:18
